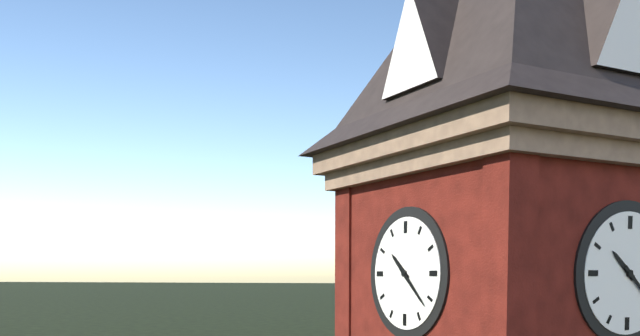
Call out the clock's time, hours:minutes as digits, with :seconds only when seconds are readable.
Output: 10:22
